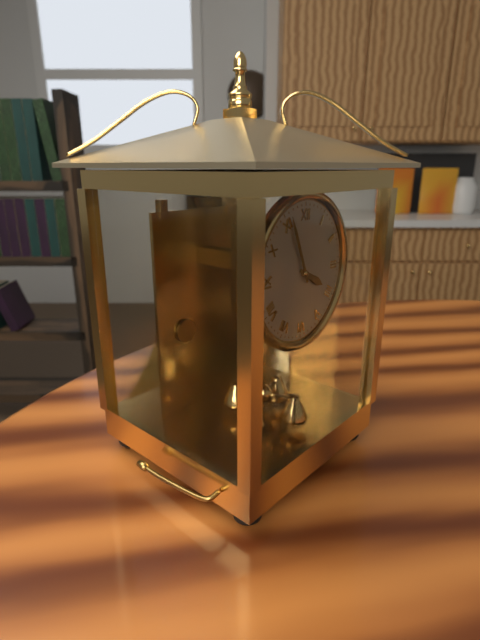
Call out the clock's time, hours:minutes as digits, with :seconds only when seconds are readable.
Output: 3:56
